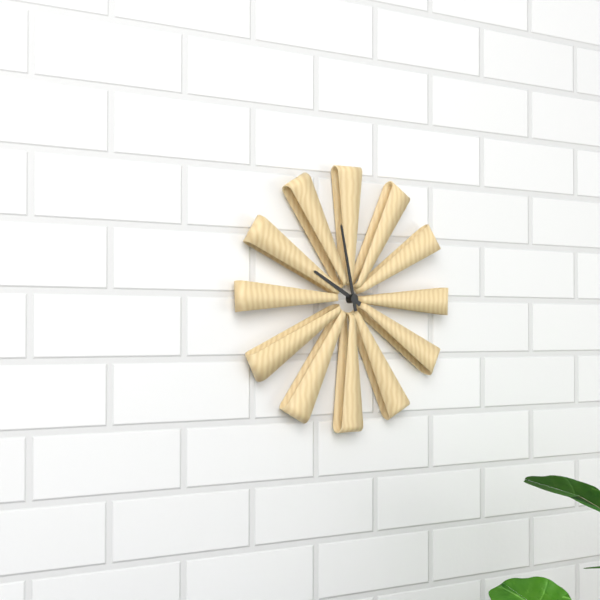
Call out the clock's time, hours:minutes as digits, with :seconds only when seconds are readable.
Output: 9:58
